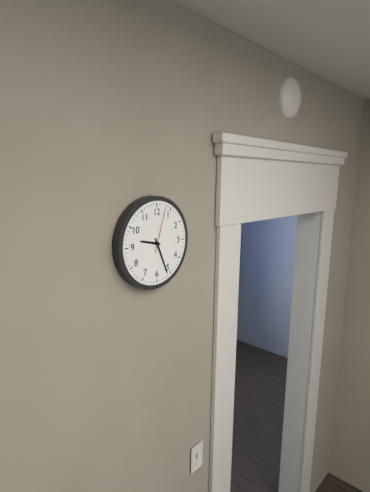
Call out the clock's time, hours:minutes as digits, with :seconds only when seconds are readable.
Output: 9:26
